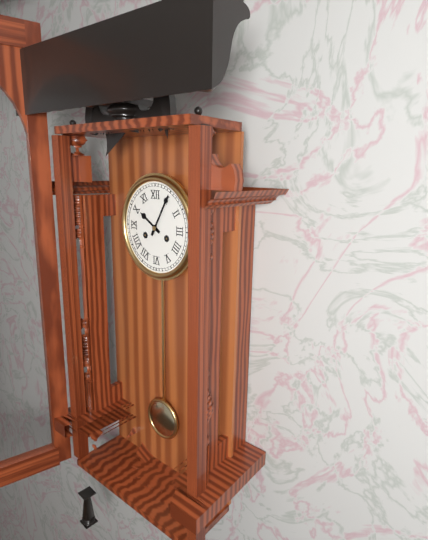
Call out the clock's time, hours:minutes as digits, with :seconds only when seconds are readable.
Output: 10:05
